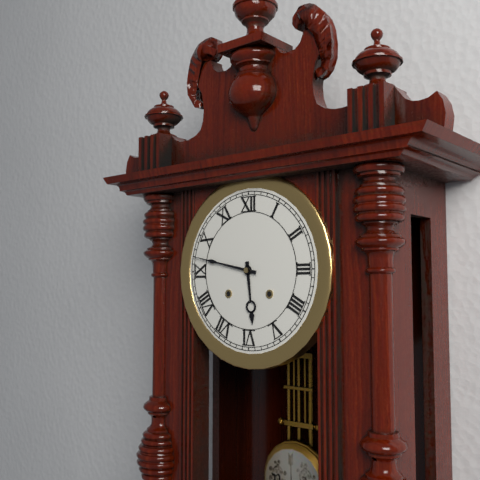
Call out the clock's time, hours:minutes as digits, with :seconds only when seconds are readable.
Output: 5:47
